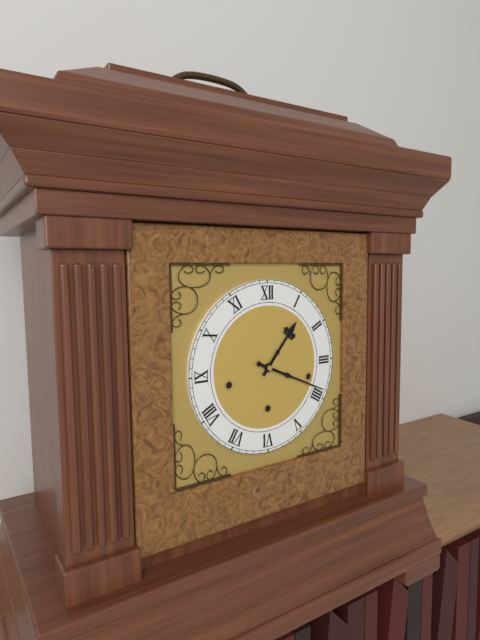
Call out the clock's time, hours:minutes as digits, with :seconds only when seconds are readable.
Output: 1:19
